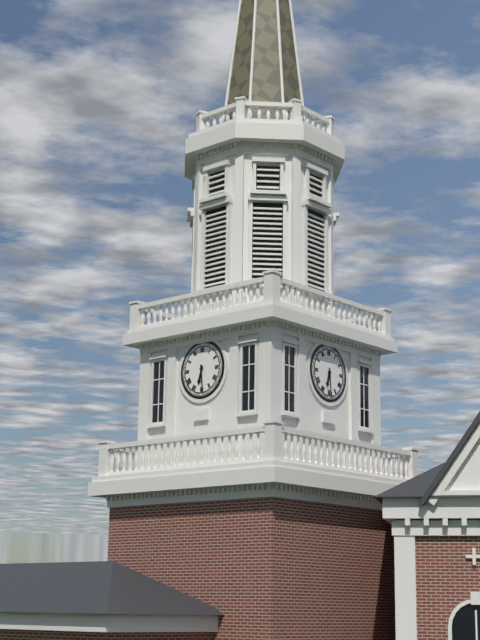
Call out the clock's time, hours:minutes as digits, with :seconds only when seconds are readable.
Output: 6:29
